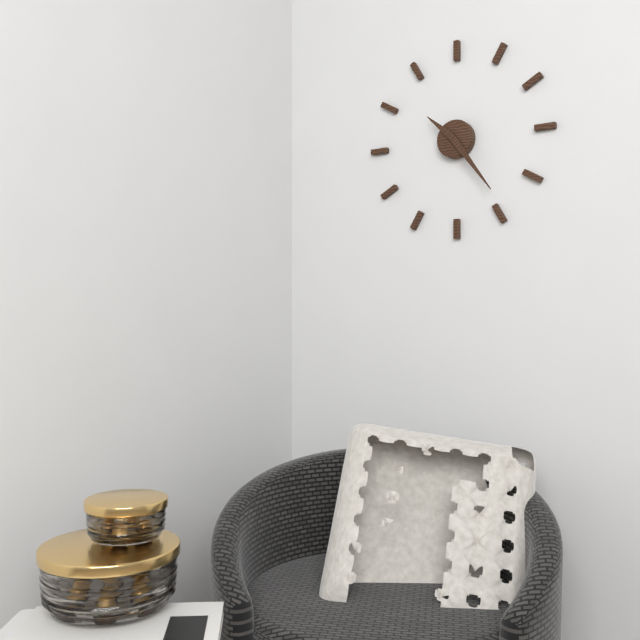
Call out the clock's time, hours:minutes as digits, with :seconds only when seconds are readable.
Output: 10:24
